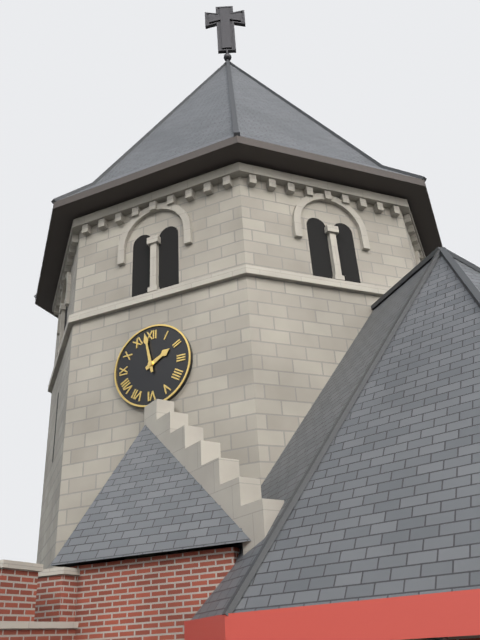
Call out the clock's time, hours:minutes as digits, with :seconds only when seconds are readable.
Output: 1:58
